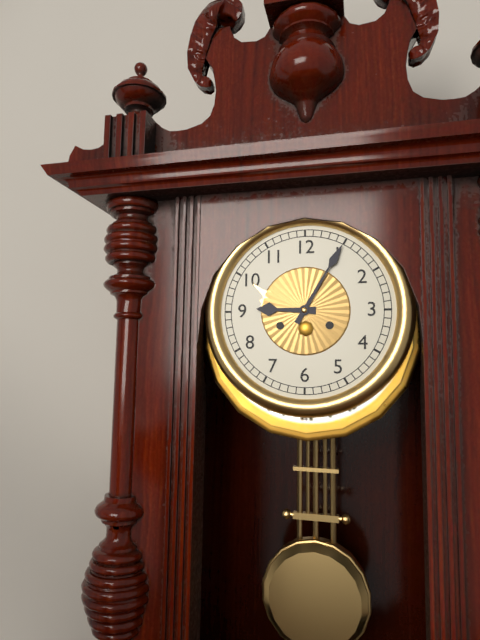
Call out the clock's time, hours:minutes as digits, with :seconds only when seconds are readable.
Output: 9:05
